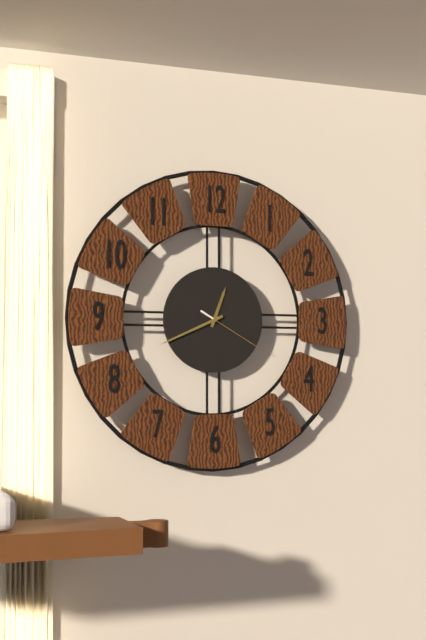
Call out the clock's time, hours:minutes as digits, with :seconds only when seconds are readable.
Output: 12:41:20
